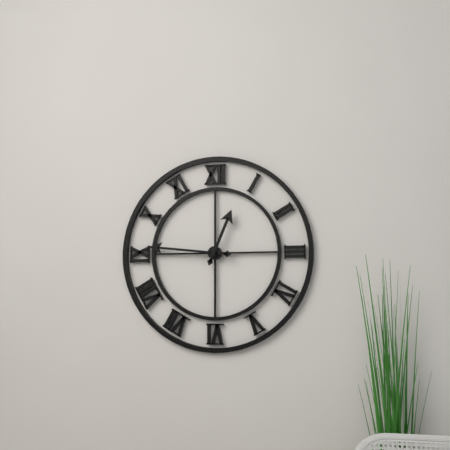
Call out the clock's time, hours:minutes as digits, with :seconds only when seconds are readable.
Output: 12:46
